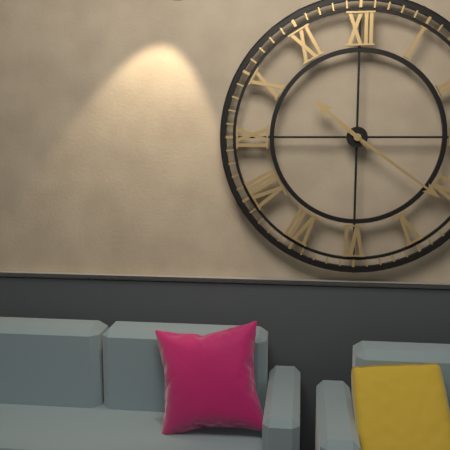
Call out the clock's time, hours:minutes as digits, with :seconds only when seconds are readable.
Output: 10:21
